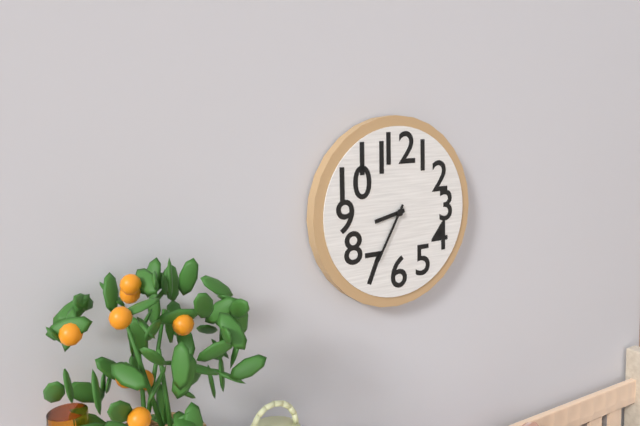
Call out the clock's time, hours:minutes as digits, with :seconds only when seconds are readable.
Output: 8:35
